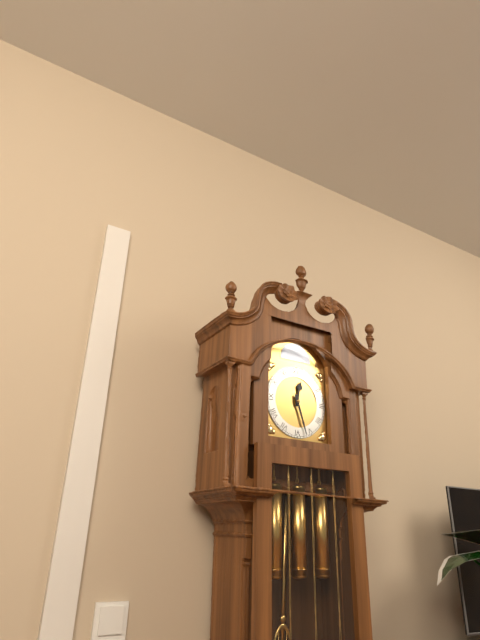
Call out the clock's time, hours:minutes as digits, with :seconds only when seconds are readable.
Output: 12:27
